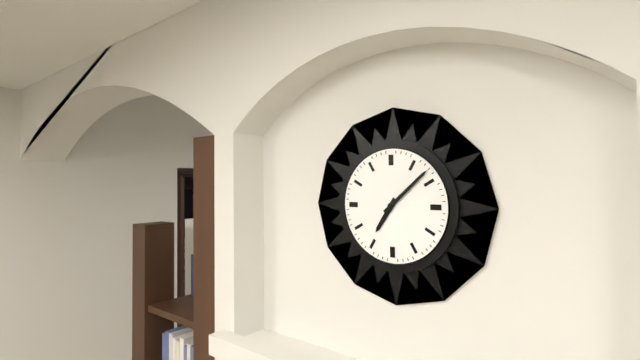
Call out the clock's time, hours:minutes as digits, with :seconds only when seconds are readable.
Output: 7:08
